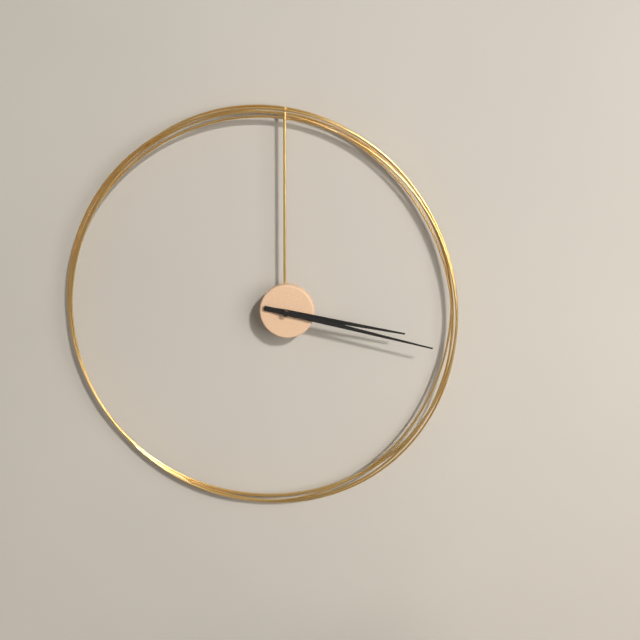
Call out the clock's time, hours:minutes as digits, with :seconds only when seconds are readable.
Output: 3:17
